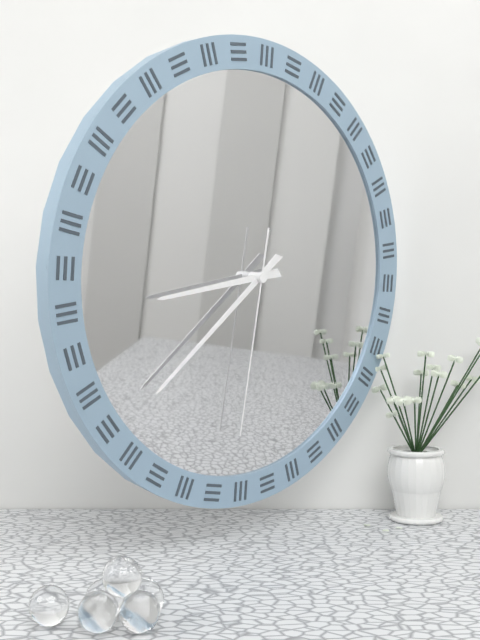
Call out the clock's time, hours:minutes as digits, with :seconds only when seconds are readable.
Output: 8:38:31
